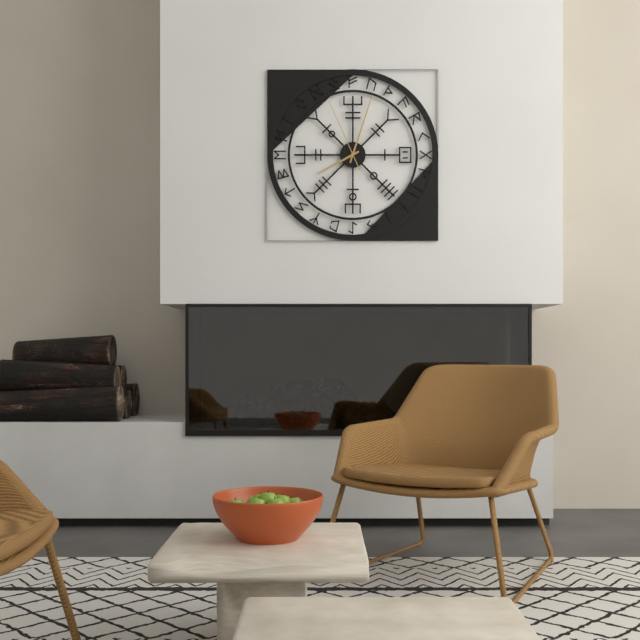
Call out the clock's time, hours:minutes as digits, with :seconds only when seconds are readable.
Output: 8:03:56
